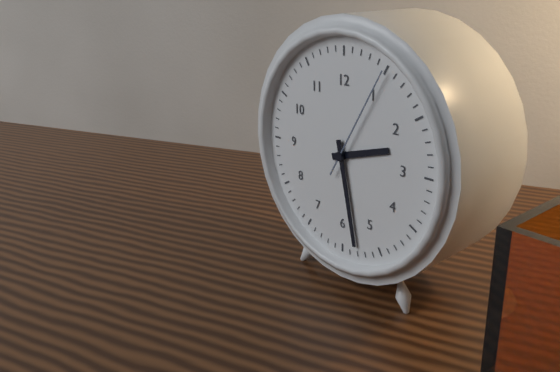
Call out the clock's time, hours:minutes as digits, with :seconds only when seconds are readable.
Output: 2:28:05
